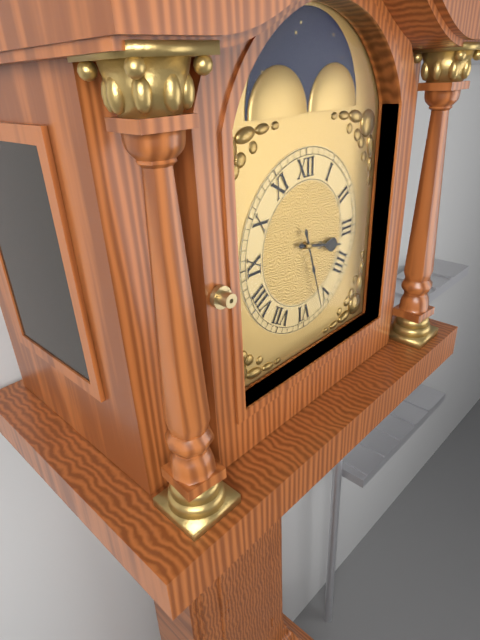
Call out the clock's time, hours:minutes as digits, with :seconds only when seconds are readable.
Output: 3:27
